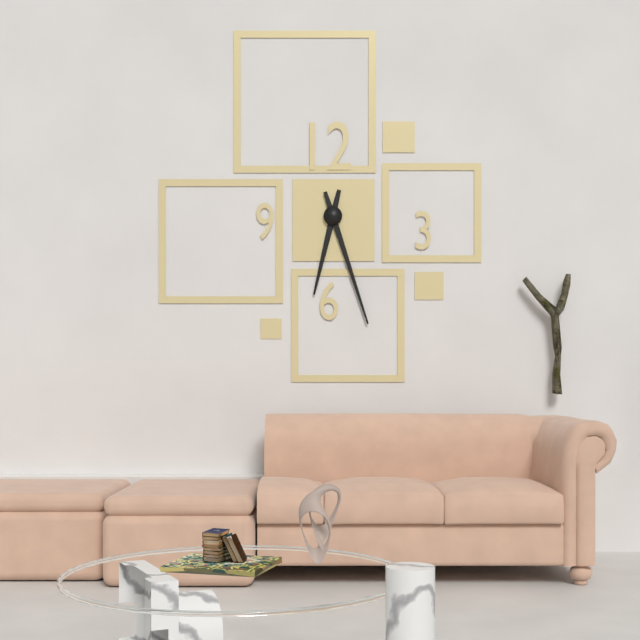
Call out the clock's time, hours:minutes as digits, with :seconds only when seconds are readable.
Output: 6:27
